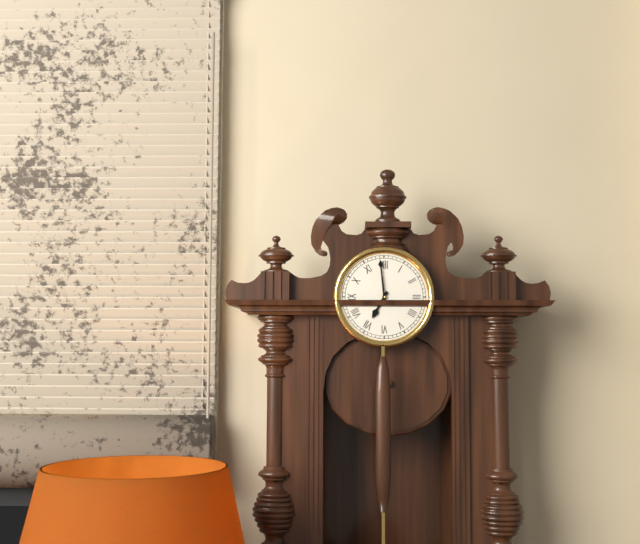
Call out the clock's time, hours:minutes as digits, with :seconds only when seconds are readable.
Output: 6:59
